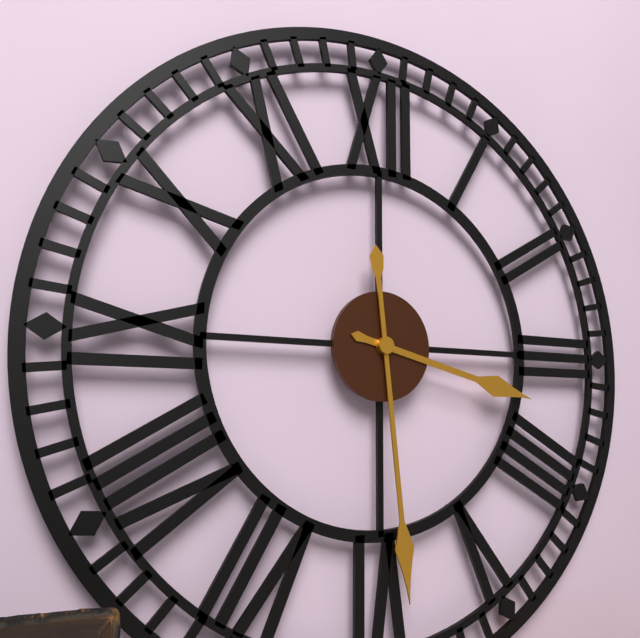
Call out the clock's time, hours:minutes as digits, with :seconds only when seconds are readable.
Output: 3:29
